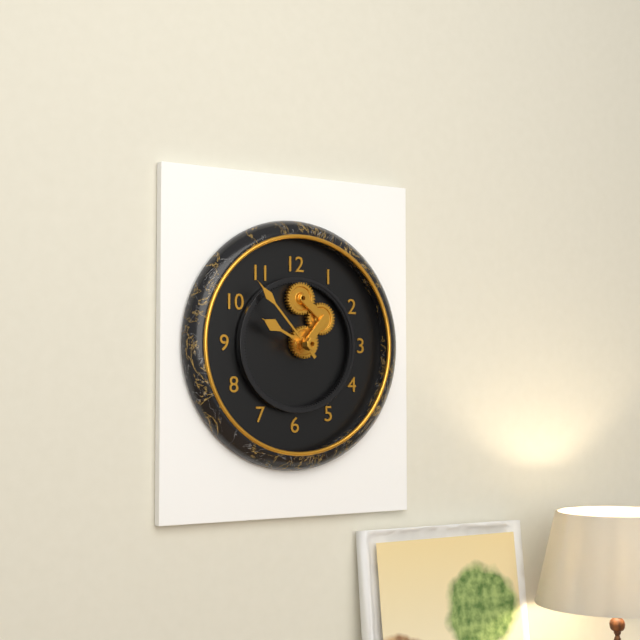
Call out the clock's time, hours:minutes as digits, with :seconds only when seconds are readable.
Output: 9:53
